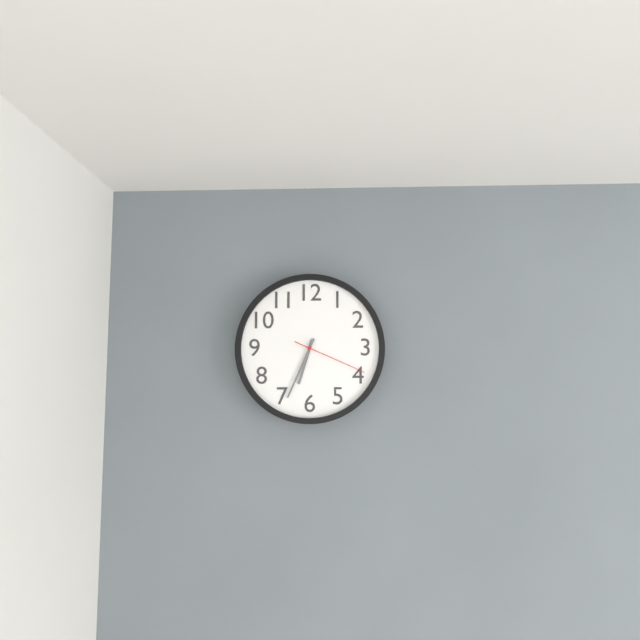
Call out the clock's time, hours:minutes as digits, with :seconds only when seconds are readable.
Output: 6:34:19
